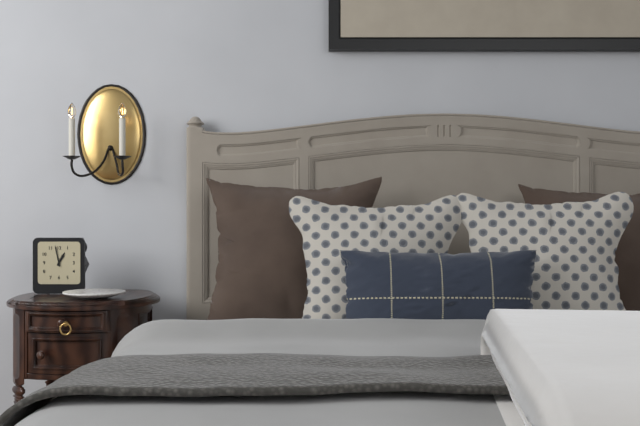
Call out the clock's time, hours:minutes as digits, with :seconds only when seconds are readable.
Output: 12:58
